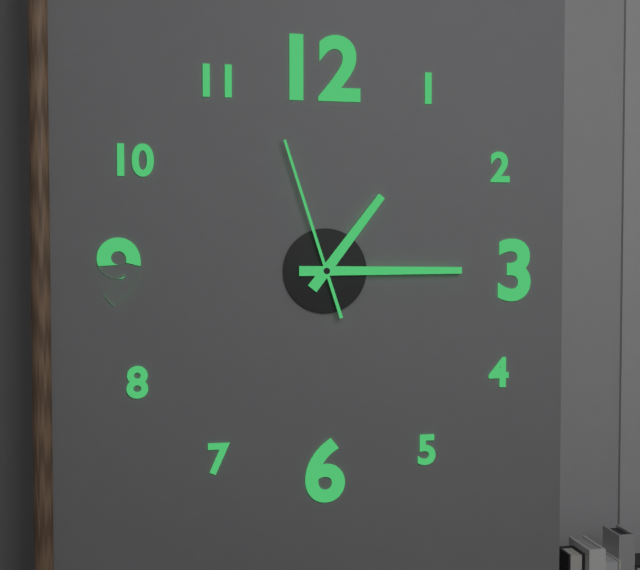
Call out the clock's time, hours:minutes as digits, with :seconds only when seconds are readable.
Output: 1:15:57
